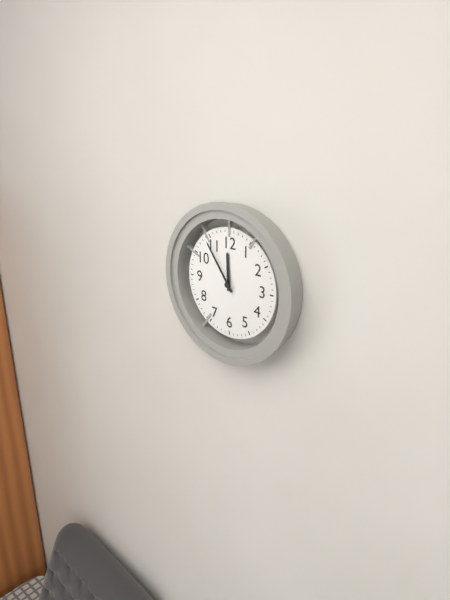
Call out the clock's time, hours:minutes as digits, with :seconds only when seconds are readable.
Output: 11:54
